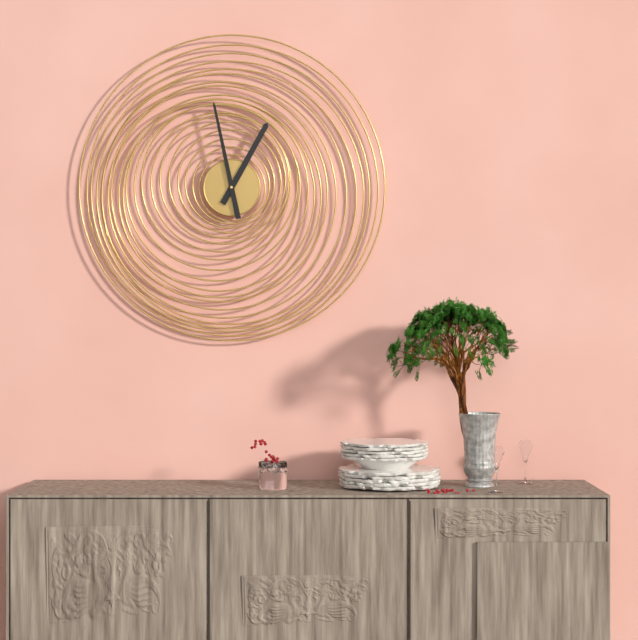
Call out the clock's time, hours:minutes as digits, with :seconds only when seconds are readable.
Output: 12:58
